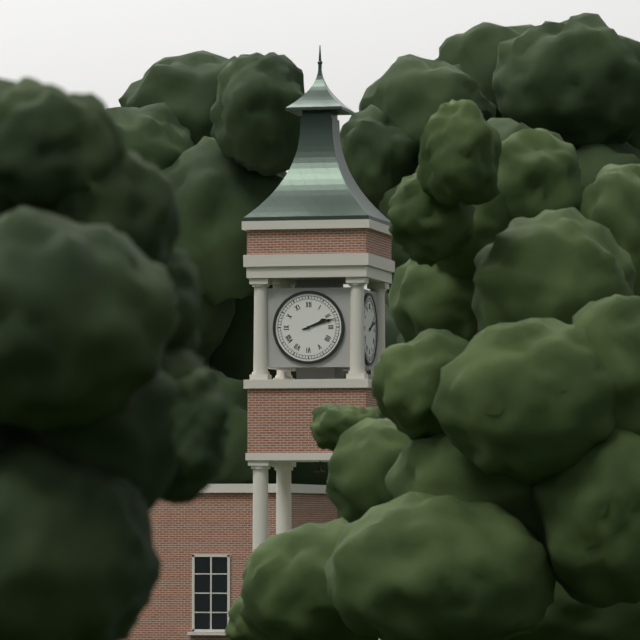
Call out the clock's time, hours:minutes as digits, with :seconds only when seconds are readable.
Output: 2:12
